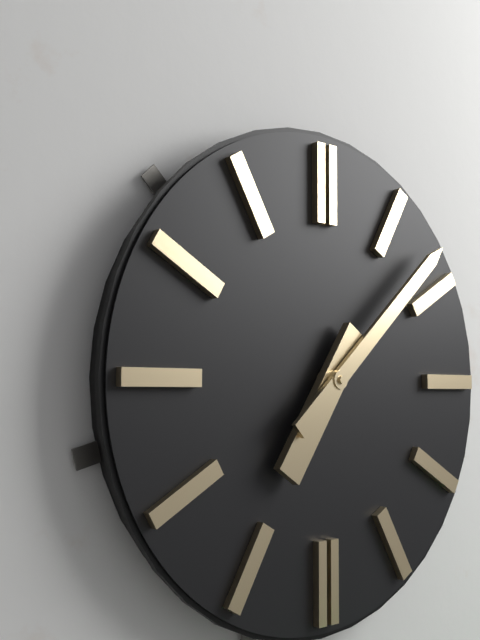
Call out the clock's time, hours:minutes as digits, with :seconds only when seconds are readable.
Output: 7:08
